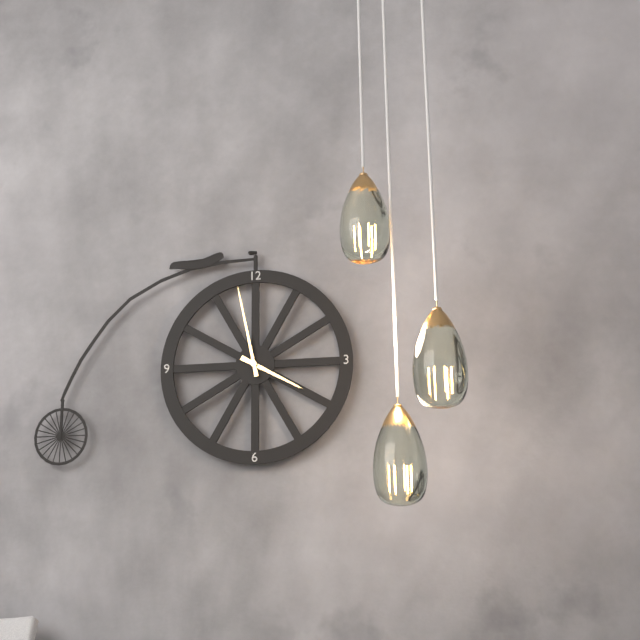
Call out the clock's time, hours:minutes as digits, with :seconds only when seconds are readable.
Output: 3:58
